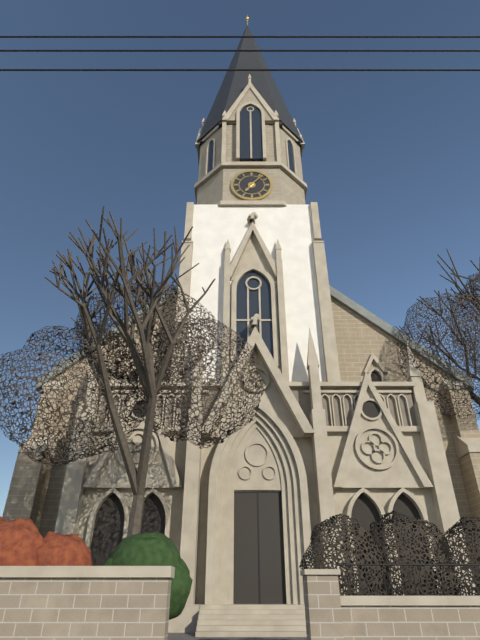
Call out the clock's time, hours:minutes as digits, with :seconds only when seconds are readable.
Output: 7:07
